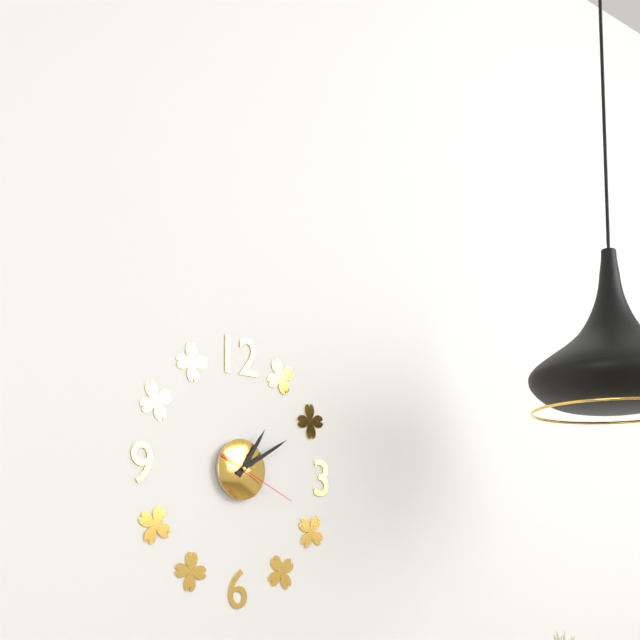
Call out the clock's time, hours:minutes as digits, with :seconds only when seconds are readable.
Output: 1:10:19
